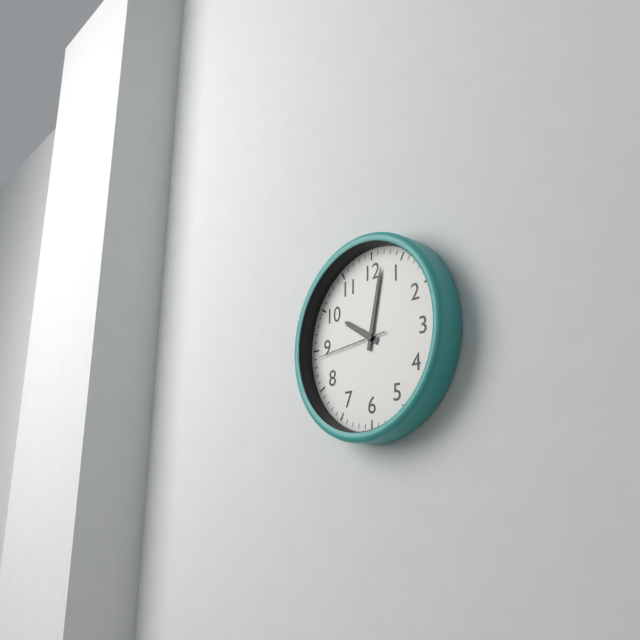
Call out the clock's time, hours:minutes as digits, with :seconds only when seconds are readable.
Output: 10:02:44
